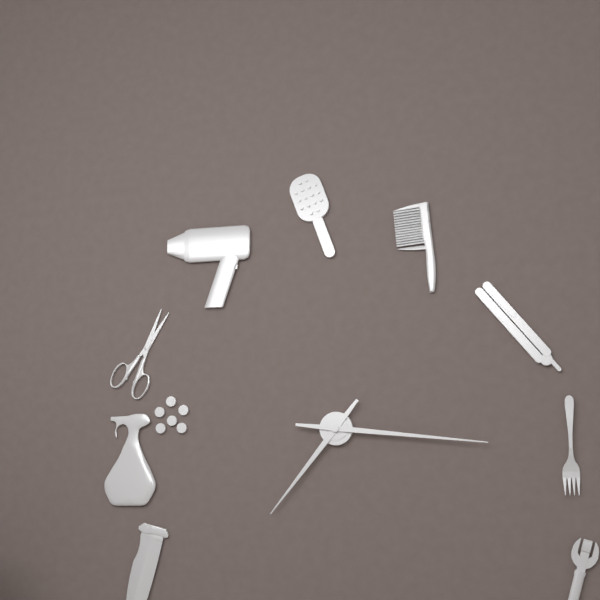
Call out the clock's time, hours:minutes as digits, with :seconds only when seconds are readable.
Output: 7:16
